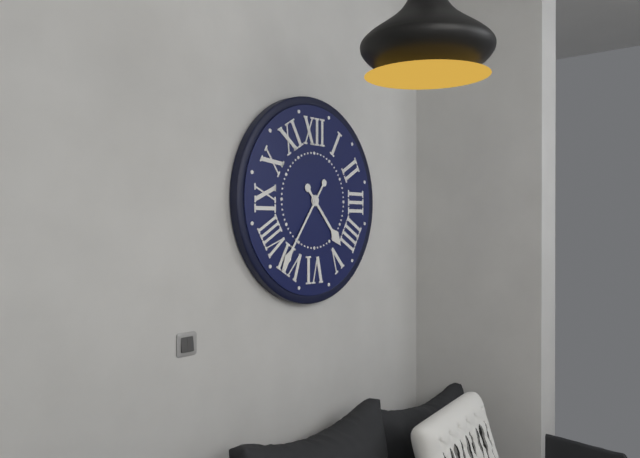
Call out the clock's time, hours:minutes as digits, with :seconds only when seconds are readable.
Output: 4:36
